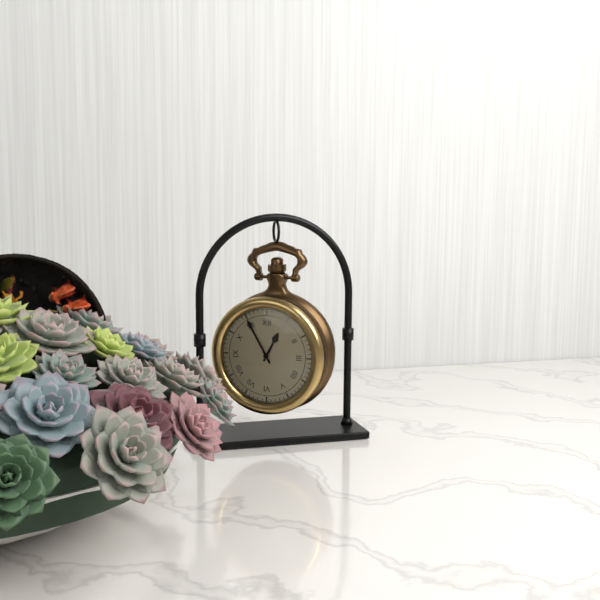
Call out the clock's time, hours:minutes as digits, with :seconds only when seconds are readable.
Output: 12:55
